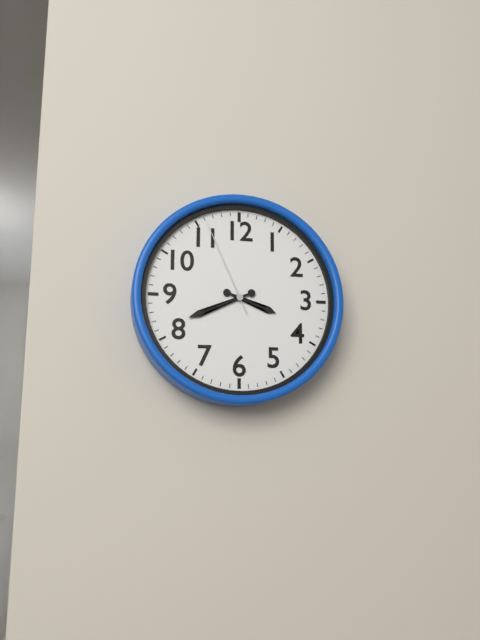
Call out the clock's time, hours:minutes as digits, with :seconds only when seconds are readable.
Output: 3:41:56
